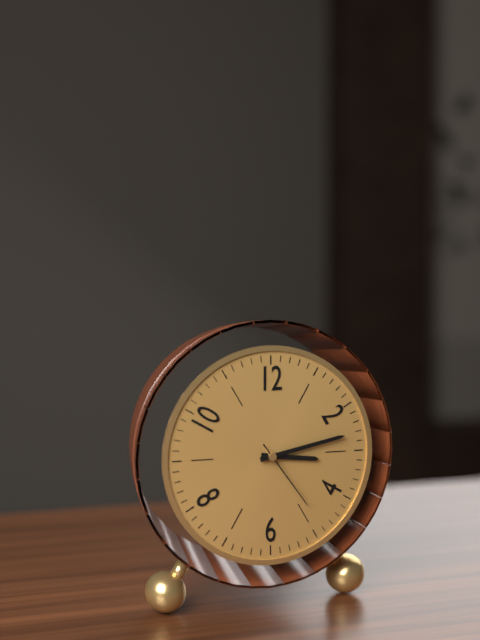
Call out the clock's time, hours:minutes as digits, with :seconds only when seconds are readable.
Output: 3:13:24
